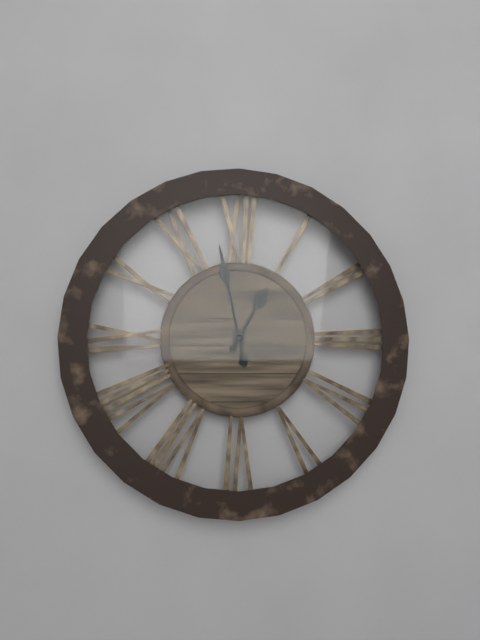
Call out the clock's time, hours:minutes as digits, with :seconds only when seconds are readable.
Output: 12:58
